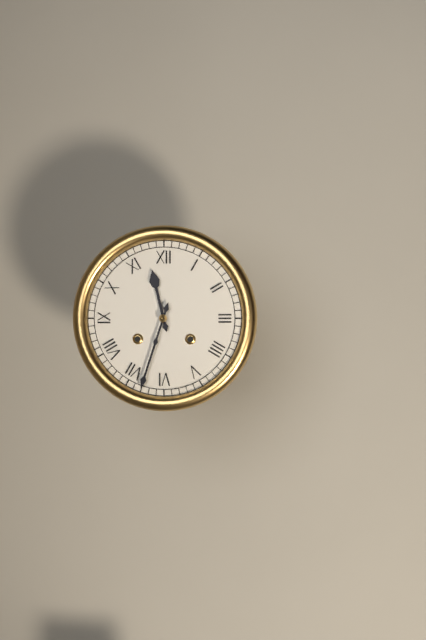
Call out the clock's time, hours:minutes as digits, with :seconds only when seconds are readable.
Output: 11:33
